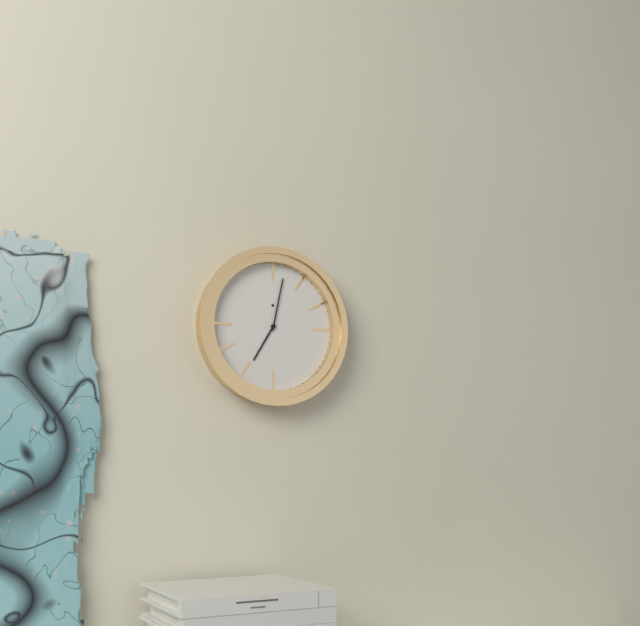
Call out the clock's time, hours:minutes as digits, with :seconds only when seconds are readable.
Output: 7:02
